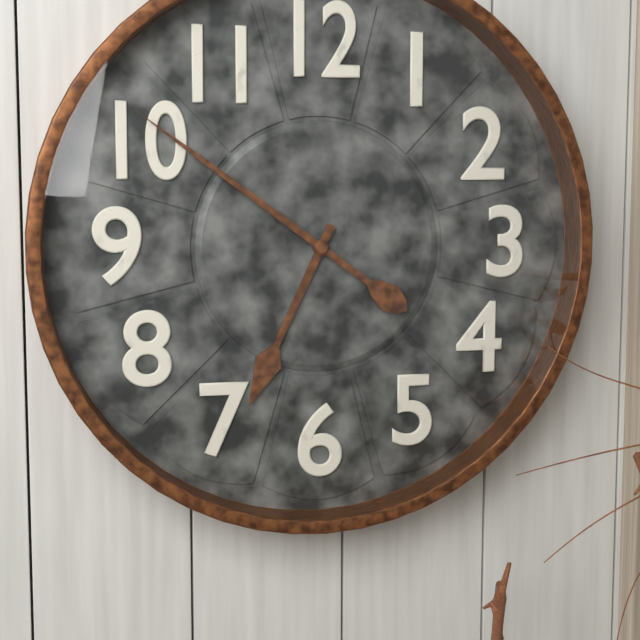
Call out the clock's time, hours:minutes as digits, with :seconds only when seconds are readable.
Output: 6:51
